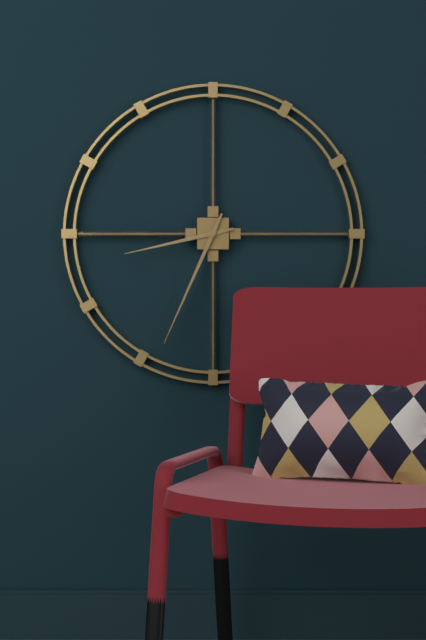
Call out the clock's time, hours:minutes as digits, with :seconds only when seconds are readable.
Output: 8:34
